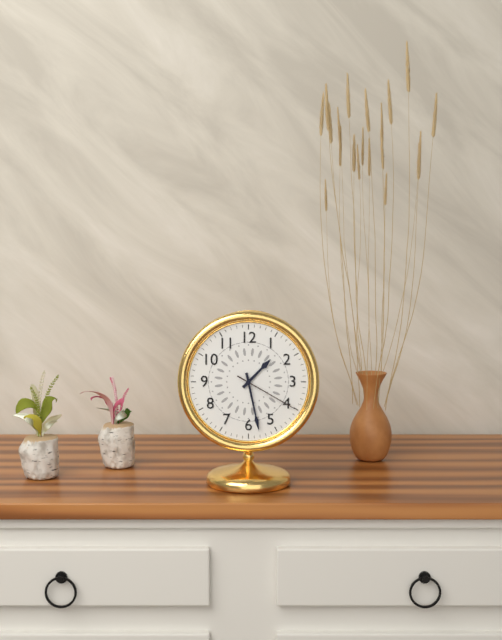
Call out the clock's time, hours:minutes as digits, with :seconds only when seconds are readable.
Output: 1:28:20
